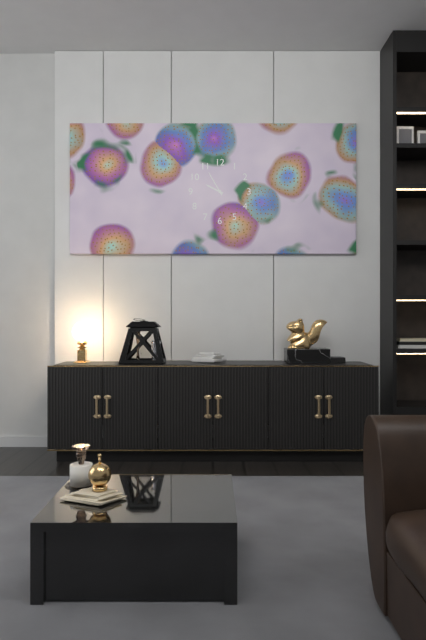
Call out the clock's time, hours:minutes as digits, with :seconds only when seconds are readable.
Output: 9:55
